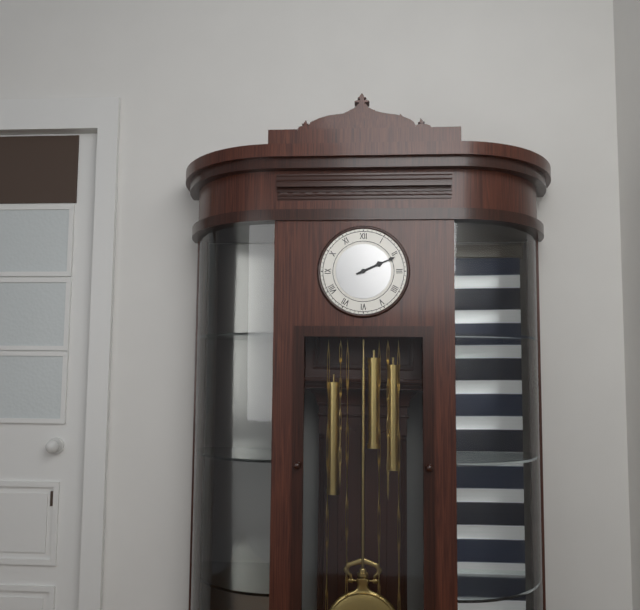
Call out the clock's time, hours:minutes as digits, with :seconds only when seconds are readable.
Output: 2:11
